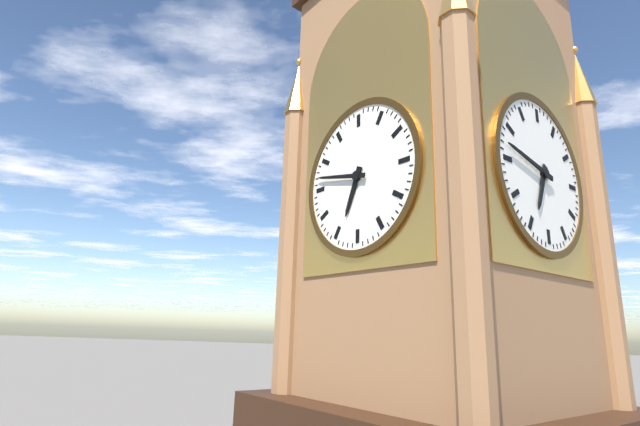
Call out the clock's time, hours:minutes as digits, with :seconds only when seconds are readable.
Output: 6:47
